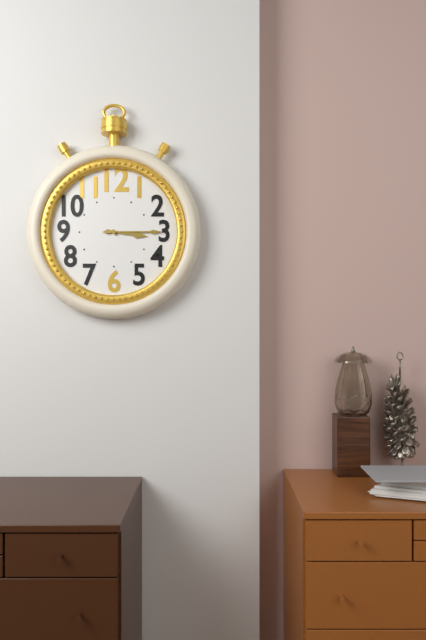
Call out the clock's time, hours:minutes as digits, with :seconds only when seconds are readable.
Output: 3:15
